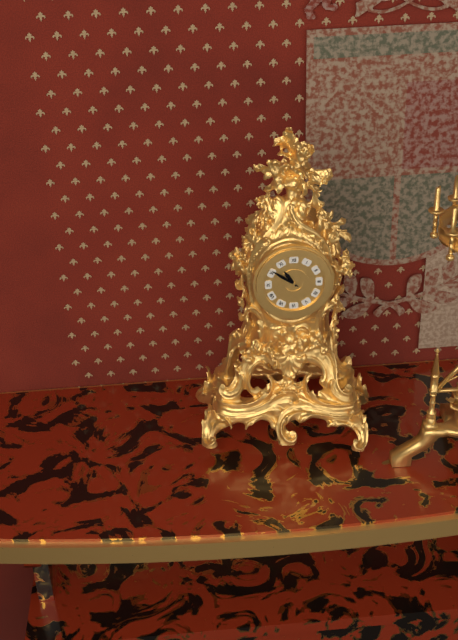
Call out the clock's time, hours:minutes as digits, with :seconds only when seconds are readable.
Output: 10:51
